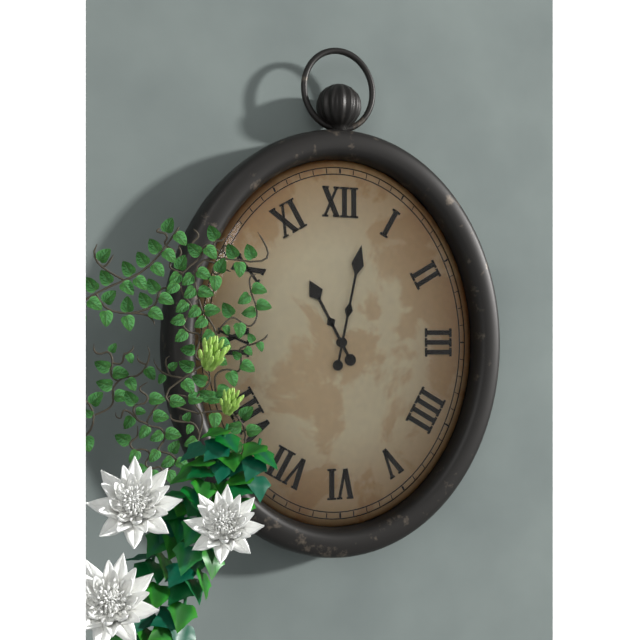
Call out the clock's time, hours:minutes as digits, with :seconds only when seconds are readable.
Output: 11:02
